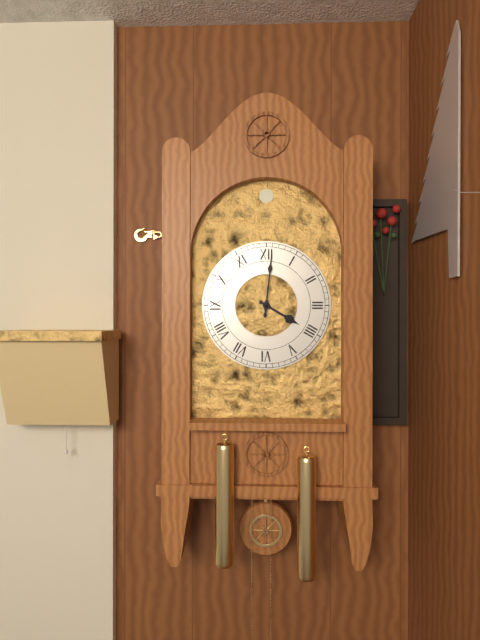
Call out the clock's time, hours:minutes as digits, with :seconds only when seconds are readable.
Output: 4:01
